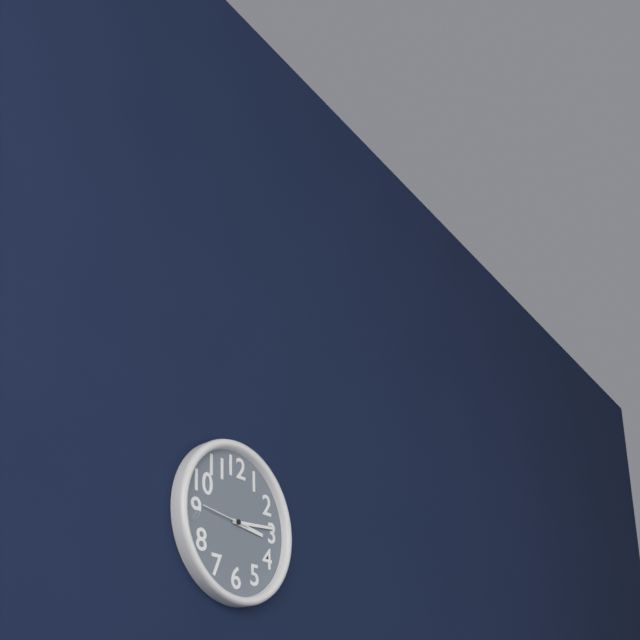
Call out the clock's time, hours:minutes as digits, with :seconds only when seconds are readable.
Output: 3:14
